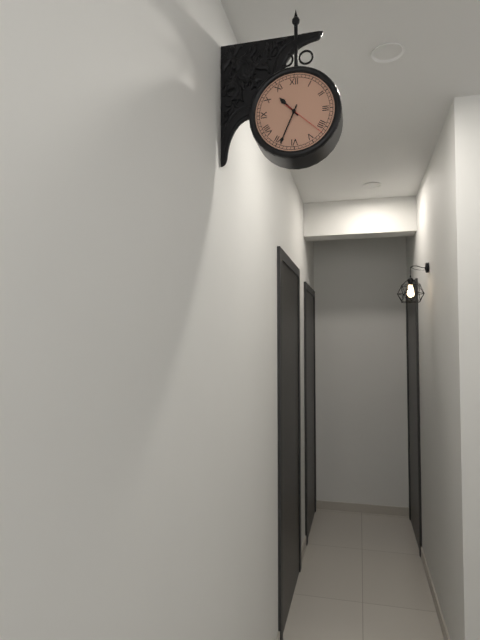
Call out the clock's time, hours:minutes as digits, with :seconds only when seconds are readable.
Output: 10:34
